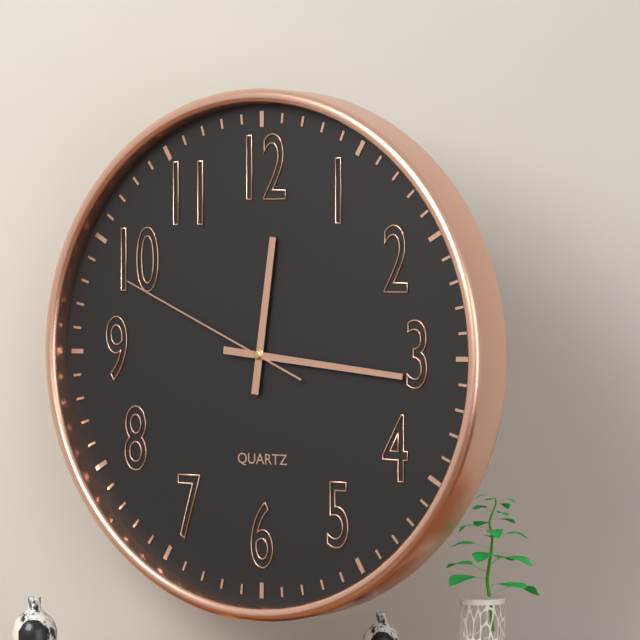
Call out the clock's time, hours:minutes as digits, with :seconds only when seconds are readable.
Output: 12:16:49
